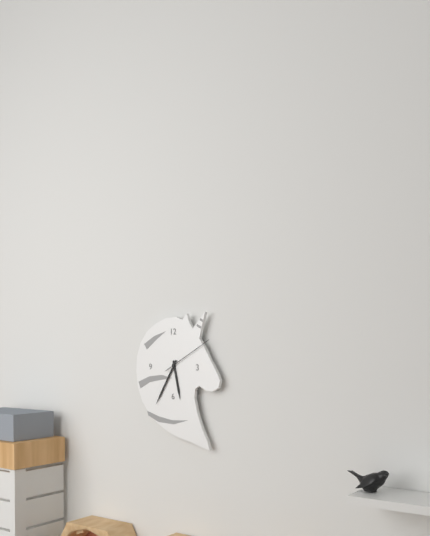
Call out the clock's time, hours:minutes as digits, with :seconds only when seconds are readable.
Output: 5:35:10
